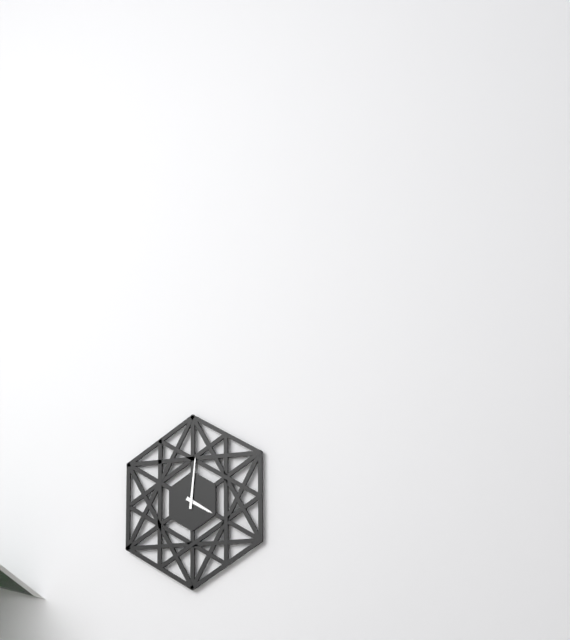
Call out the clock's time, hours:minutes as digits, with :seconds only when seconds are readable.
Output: 4:01
